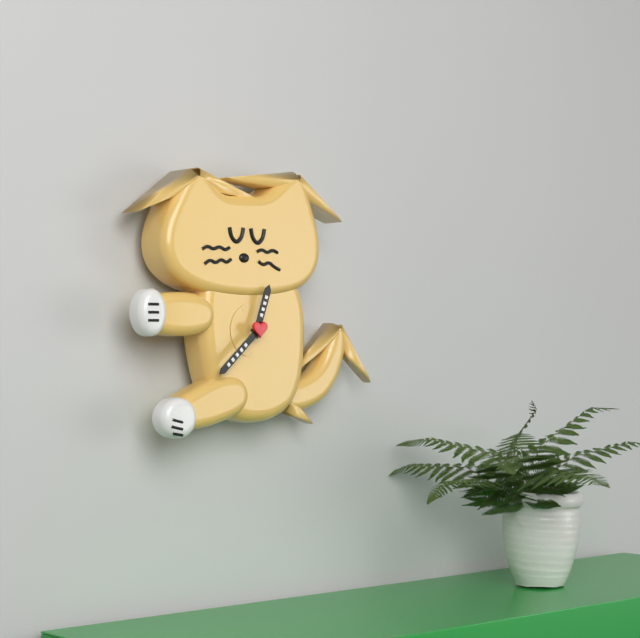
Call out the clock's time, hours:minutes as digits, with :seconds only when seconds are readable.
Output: 12:38
